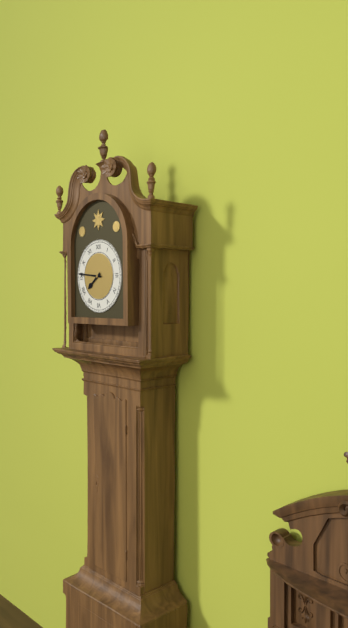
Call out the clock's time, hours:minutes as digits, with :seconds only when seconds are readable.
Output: 7:46
